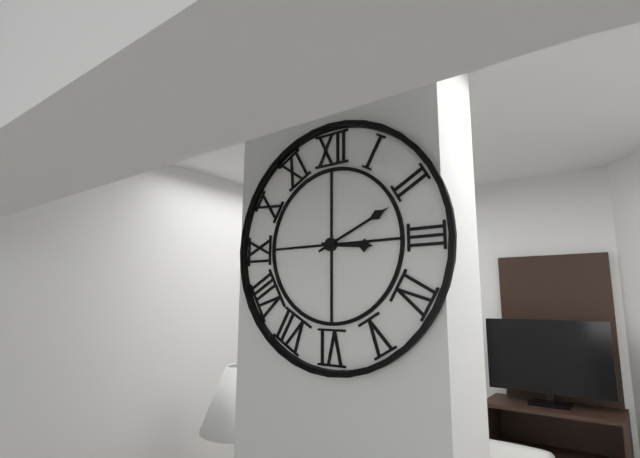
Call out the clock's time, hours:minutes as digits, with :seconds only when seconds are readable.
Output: 3:11
